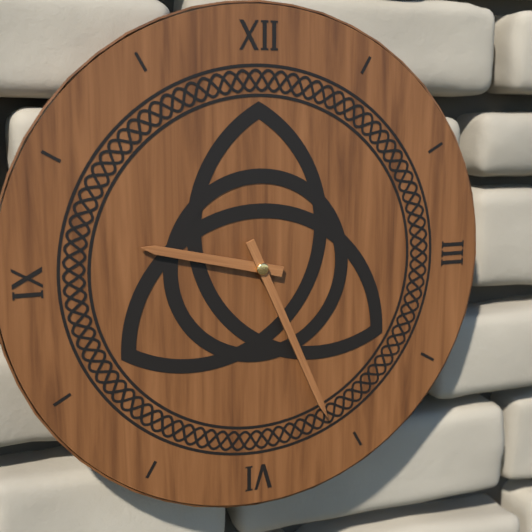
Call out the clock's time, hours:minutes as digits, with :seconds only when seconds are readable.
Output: 9:26
